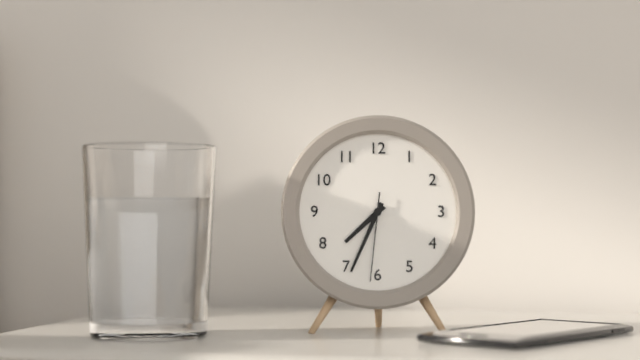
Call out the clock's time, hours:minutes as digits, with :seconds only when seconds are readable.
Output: 7:34:31
